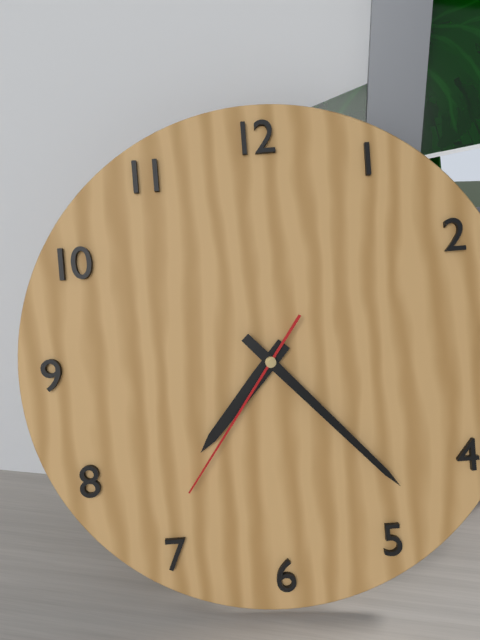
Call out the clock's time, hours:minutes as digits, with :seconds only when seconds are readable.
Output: 7:23:36
